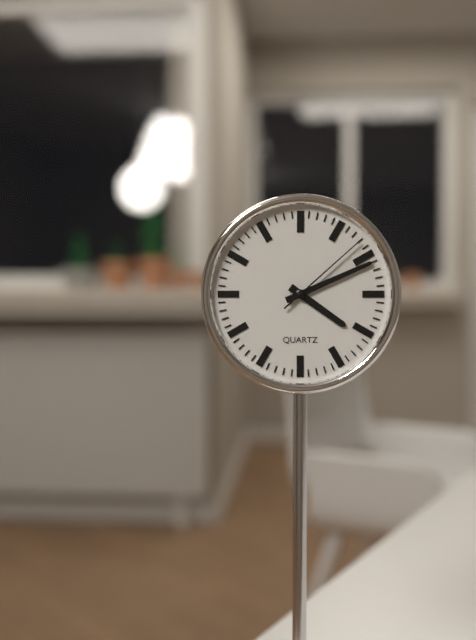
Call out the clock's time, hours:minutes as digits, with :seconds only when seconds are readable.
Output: 4:11:08
